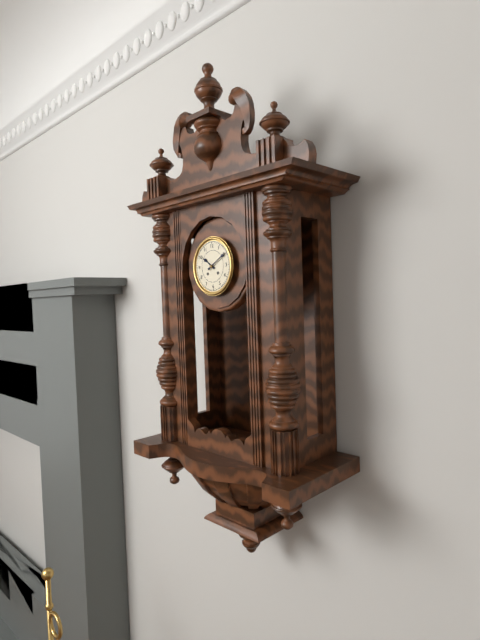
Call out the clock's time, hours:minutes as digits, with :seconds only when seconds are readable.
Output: 10:10
